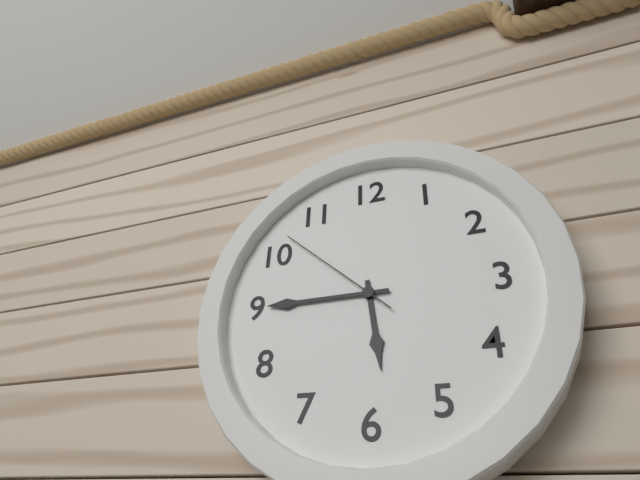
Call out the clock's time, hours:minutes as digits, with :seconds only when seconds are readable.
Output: 5:45:52
